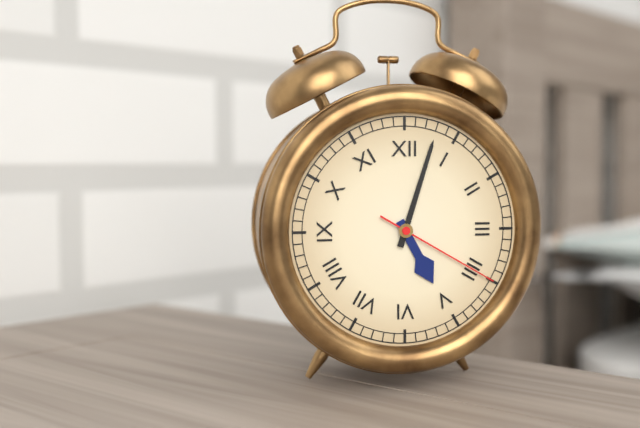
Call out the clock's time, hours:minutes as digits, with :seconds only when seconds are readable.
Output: 5:03:20
